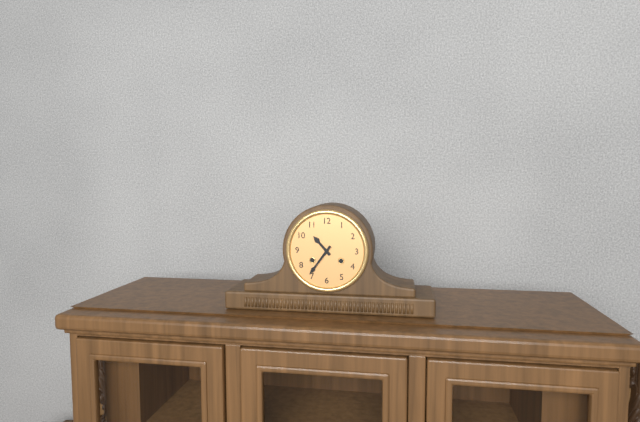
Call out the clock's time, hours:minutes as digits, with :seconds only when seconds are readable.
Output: 10:36
